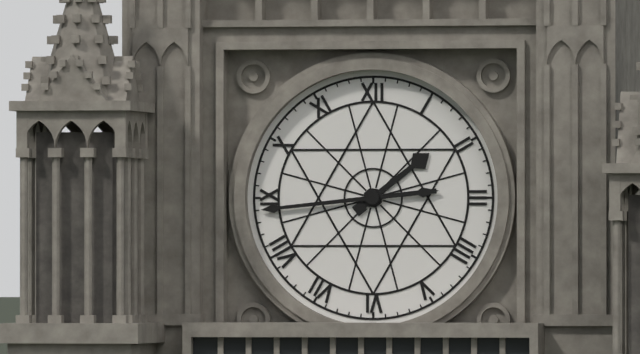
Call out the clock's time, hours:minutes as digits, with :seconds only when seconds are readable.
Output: 1:44
